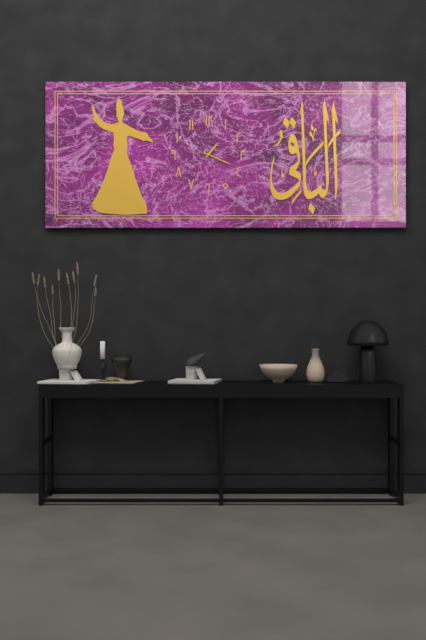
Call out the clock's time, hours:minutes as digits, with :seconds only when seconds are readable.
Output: 1:19
